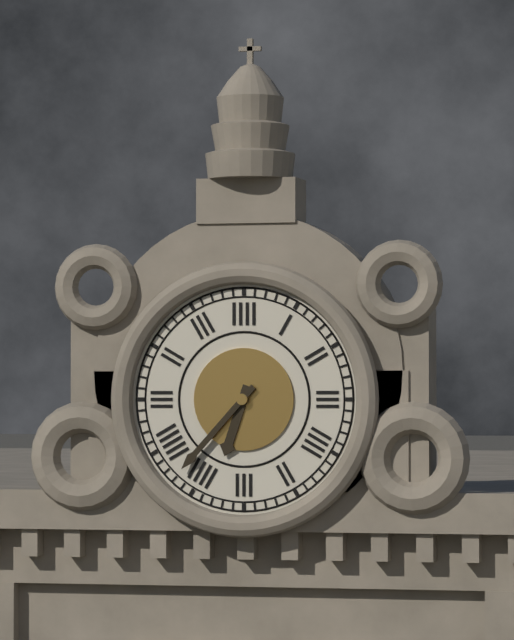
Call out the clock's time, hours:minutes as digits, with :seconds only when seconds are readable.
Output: 6:37
